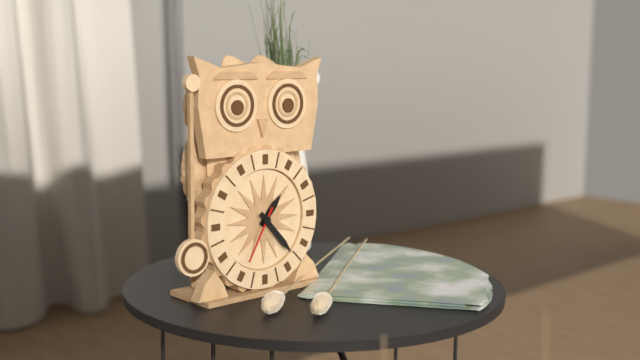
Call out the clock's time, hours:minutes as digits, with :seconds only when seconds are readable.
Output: 1:23:35
